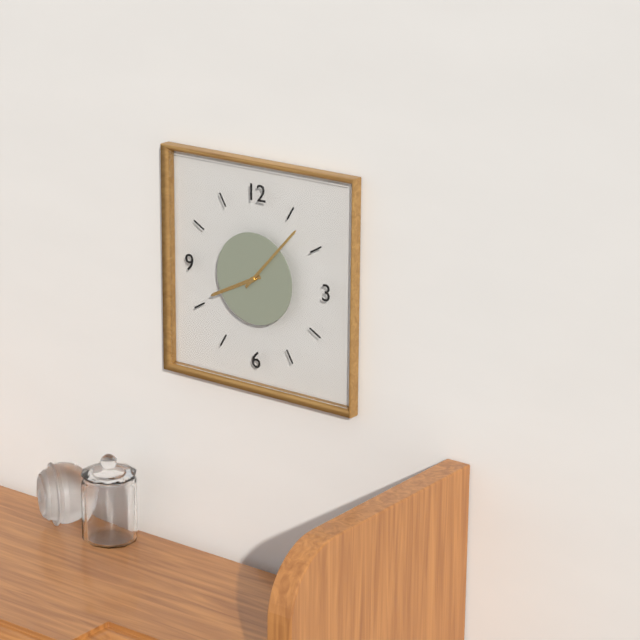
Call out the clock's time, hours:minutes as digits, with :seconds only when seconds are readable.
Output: 8:07
